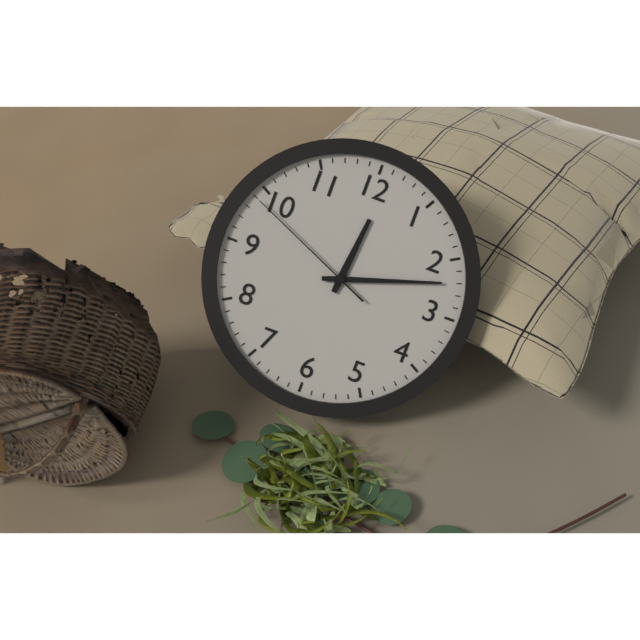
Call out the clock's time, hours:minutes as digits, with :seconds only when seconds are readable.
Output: 12:12:49
